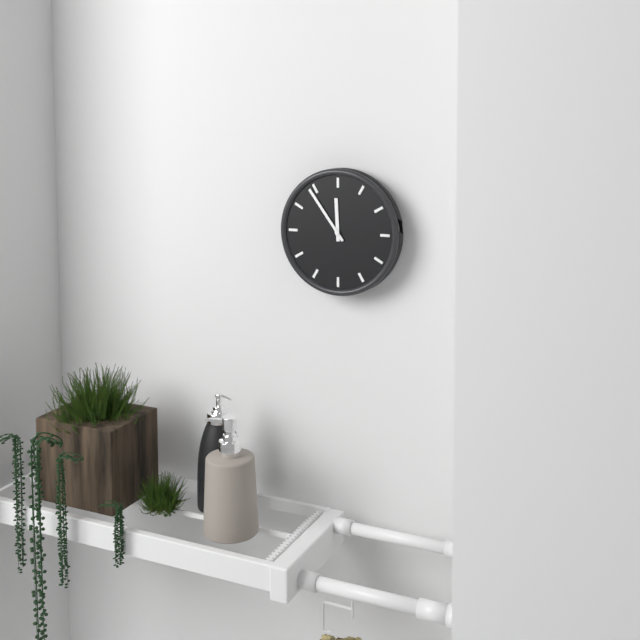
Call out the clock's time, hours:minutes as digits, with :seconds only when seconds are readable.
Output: 11:54
